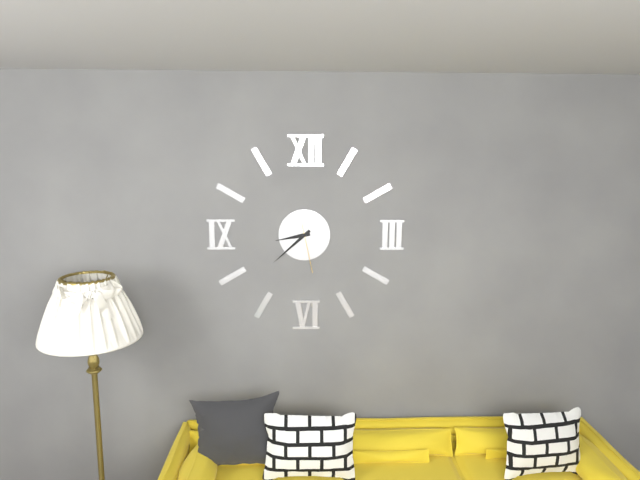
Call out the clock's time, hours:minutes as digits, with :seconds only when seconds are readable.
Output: 8:38
